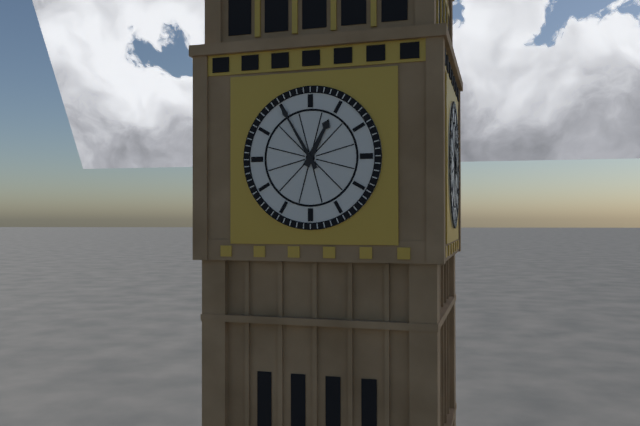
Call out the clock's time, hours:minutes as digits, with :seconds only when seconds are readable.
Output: 12:55
